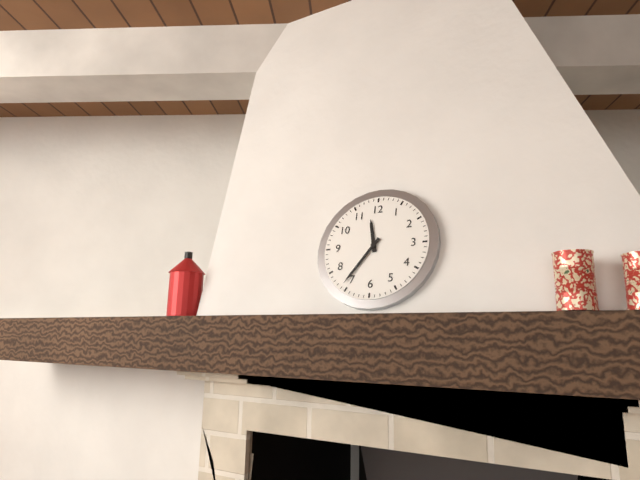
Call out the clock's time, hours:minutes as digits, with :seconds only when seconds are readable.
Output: 11:36
